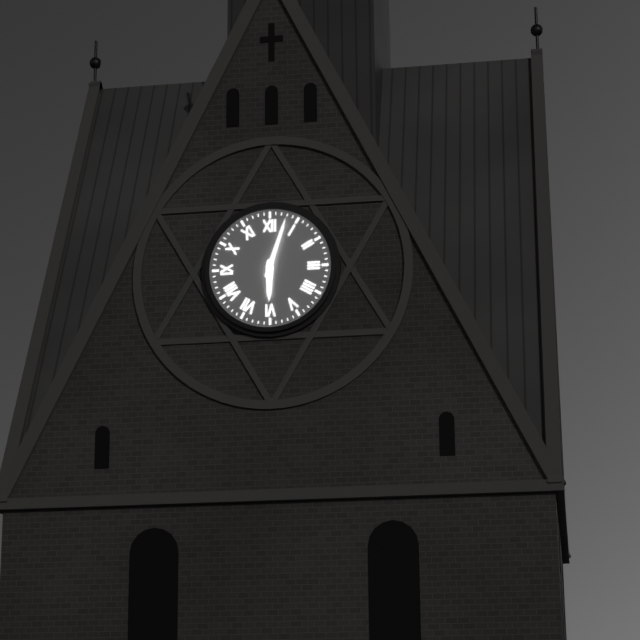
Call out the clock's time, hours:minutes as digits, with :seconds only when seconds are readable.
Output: 6:03
